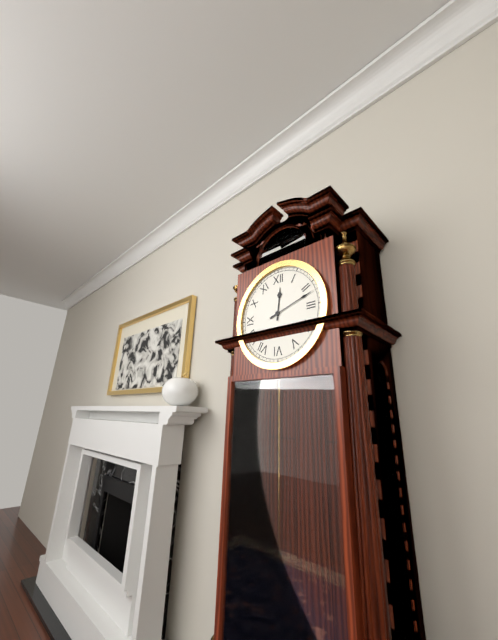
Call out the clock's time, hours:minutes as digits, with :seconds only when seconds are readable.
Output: 12:12
